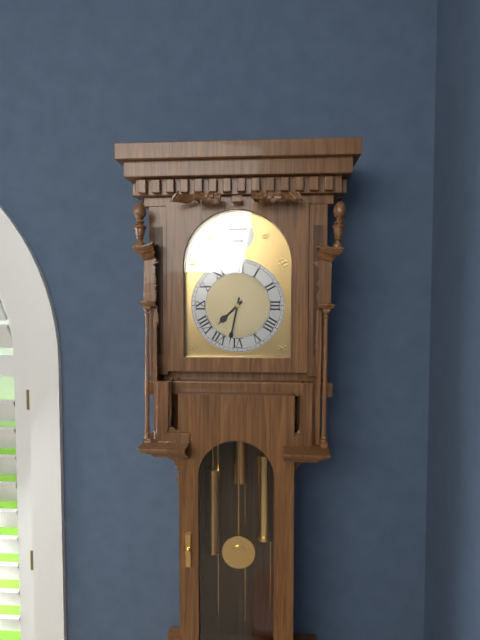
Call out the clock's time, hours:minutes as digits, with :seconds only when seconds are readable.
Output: 7:32
